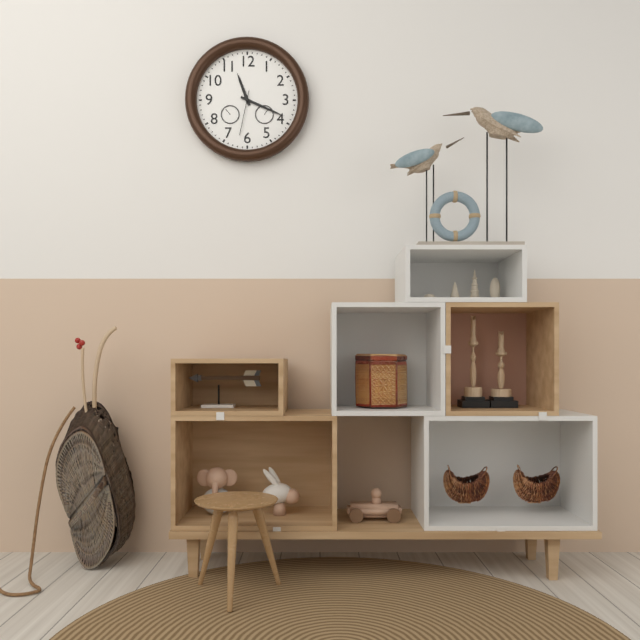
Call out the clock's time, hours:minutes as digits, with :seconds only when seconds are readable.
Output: 11:19
